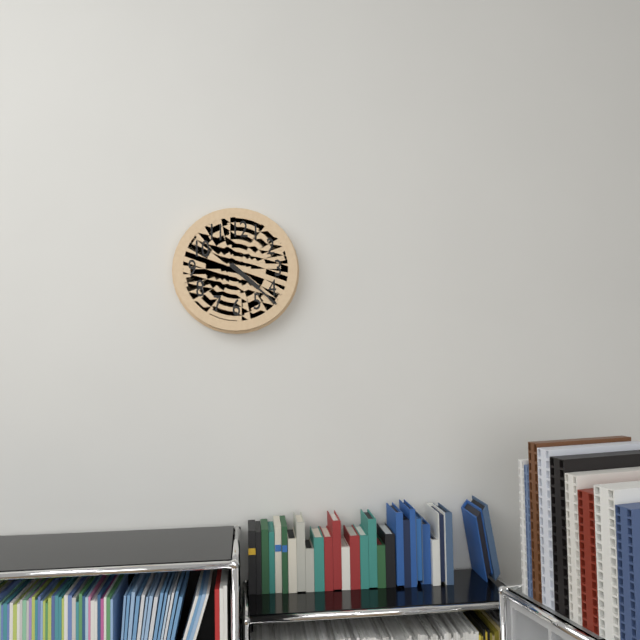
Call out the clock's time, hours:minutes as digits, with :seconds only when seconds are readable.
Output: 4:22
